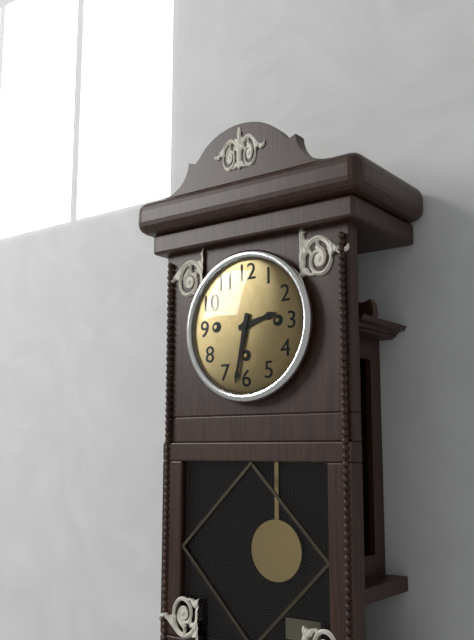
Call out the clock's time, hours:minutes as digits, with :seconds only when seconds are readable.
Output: 2:32
